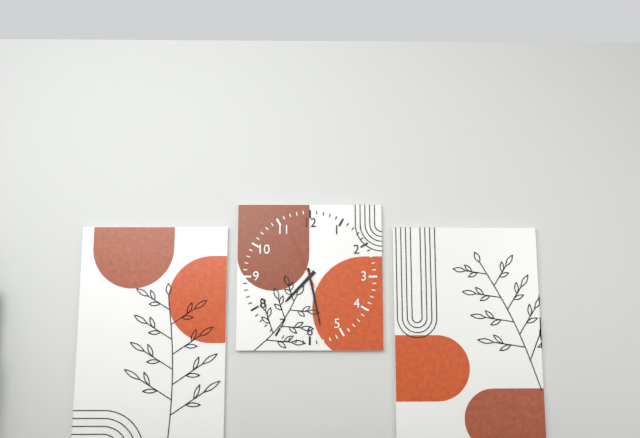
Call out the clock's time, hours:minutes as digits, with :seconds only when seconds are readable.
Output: 7:28:56
